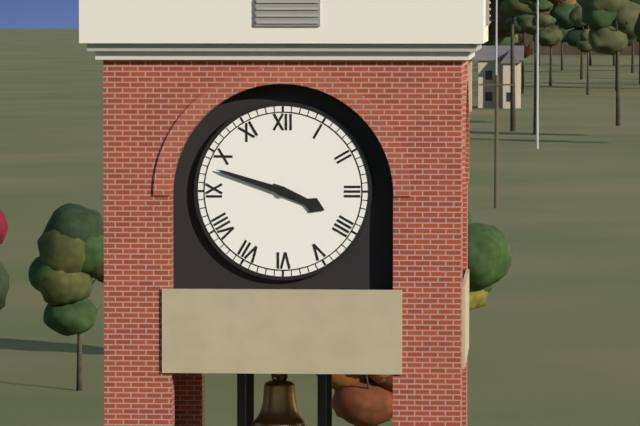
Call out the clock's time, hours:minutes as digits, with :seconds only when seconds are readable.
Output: 3:48
